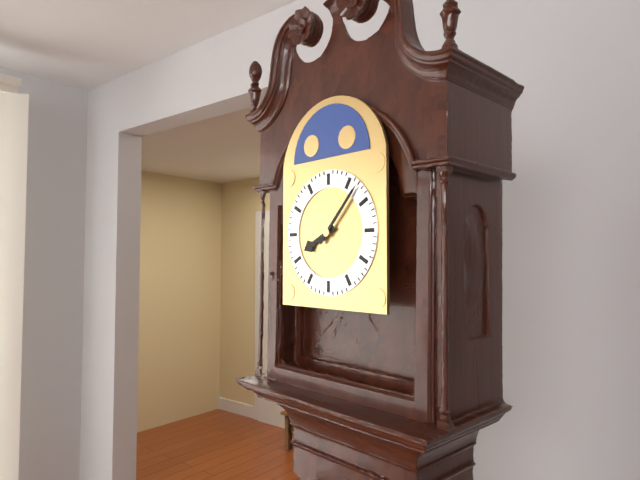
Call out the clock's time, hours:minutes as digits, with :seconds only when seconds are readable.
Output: 8:07
